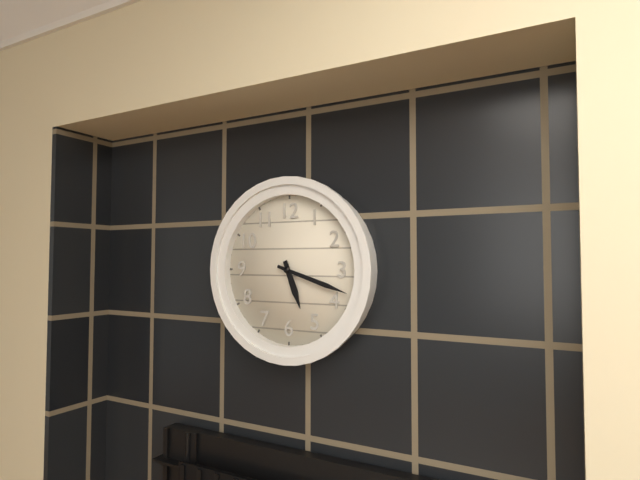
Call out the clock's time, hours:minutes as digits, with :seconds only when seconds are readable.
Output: 5:18
